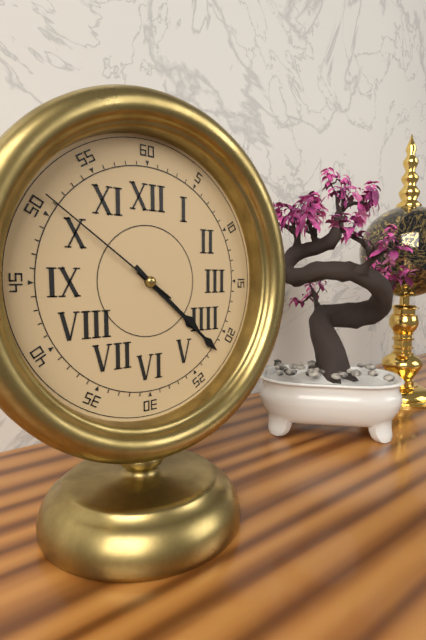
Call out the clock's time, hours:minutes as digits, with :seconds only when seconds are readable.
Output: 4:22:51
